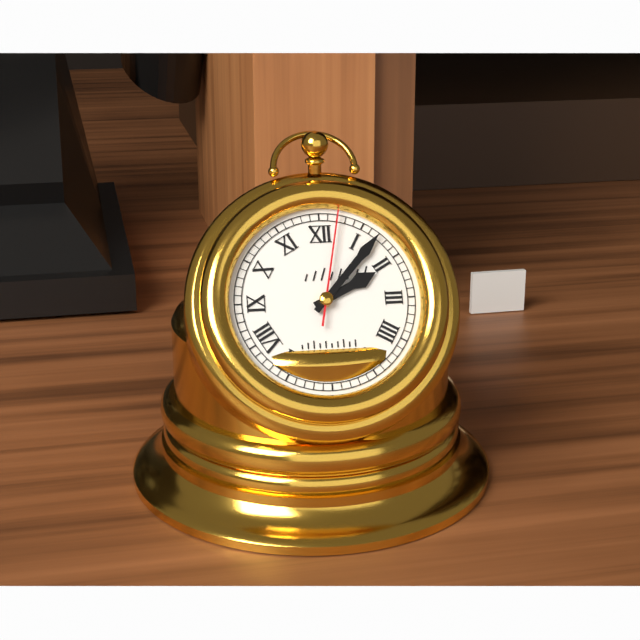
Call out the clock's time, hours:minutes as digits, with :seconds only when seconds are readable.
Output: 2:07:02
